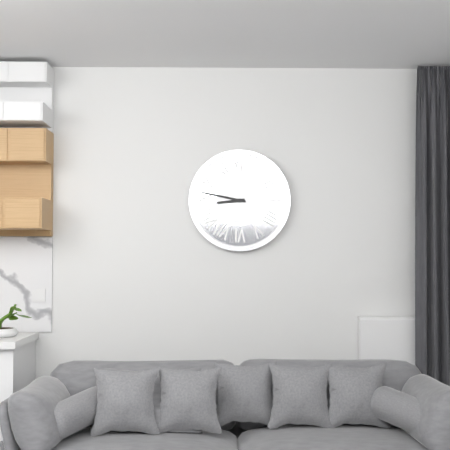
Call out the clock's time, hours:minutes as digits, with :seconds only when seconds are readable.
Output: 8:47
